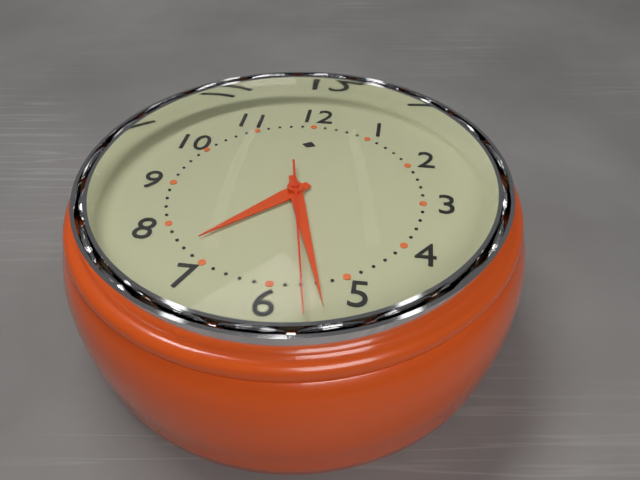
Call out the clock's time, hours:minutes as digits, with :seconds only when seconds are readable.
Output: 7:27
